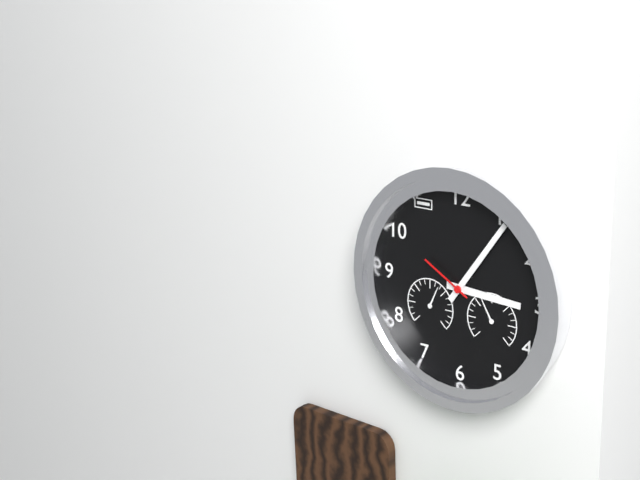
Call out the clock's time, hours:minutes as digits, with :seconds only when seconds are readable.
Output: 3:06:50
